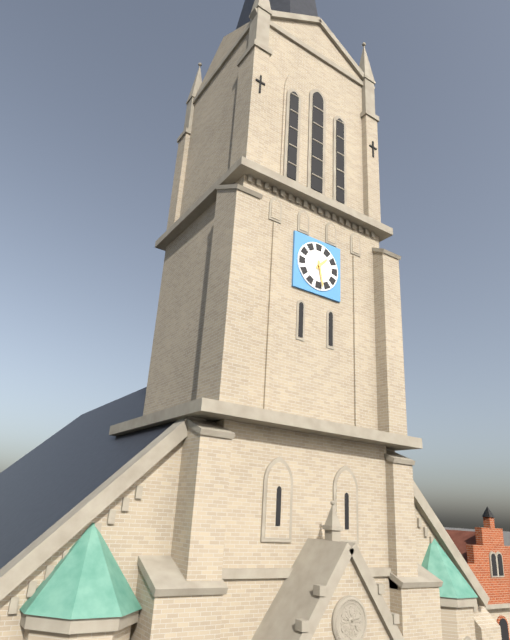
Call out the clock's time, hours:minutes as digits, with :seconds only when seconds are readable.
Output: 1:28
